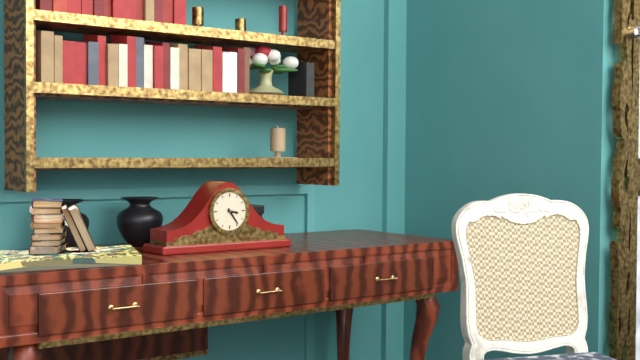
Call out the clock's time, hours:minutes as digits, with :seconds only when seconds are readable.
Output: 3:24
